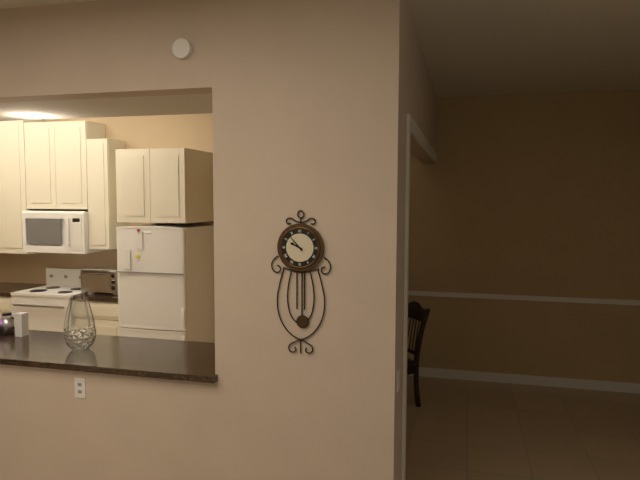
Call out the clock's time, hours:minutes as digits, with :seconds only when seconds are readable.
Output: 9:53
